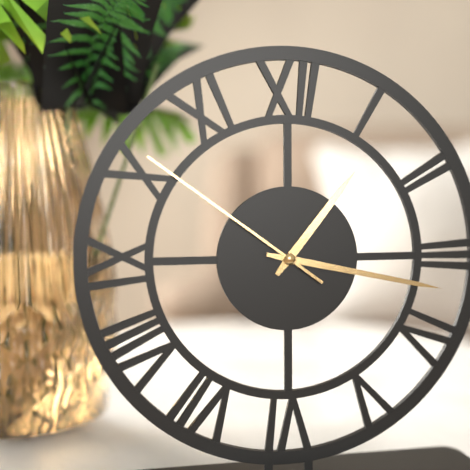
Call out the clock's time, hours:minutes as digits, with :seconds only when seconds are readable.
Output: 1:17:51
